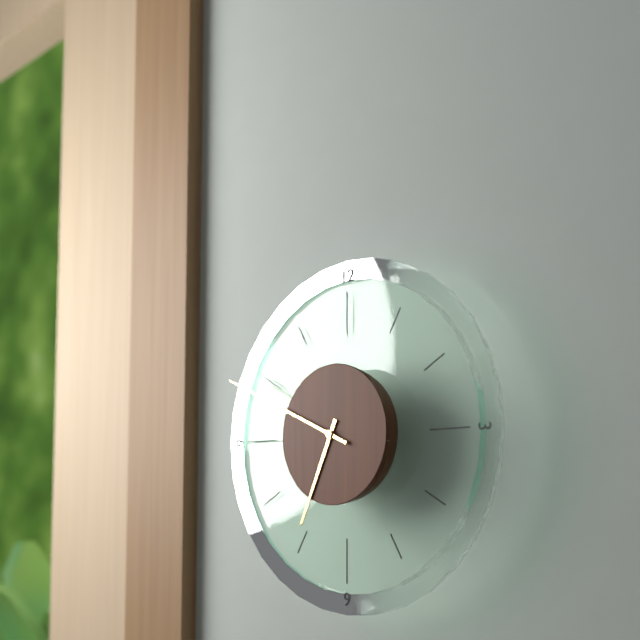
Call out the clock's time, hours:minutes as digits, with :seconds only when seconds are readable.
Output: 6:49
